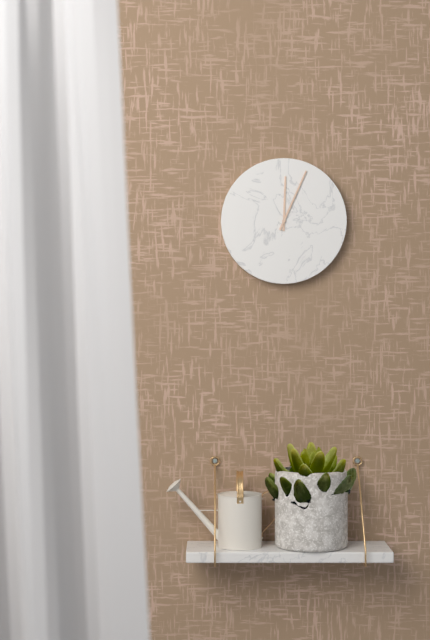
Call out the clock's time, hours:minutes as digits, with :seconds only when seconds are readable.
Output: 12:04
